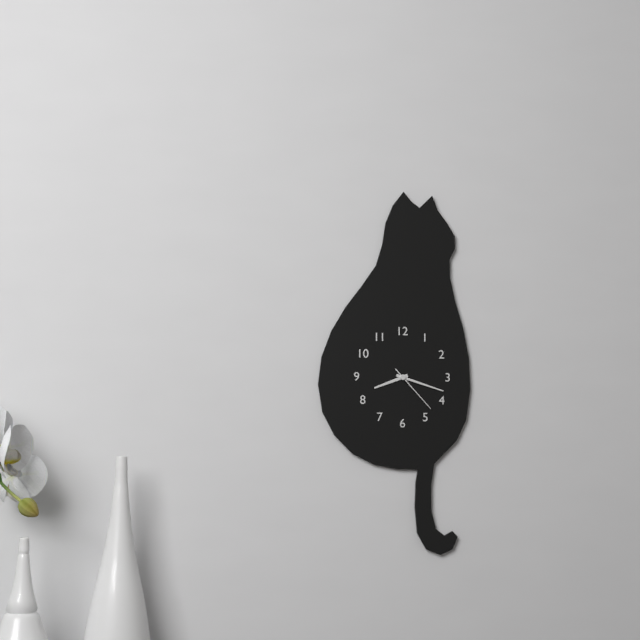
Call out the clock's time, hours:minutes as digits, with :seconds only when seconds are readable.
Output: 8:18:23
